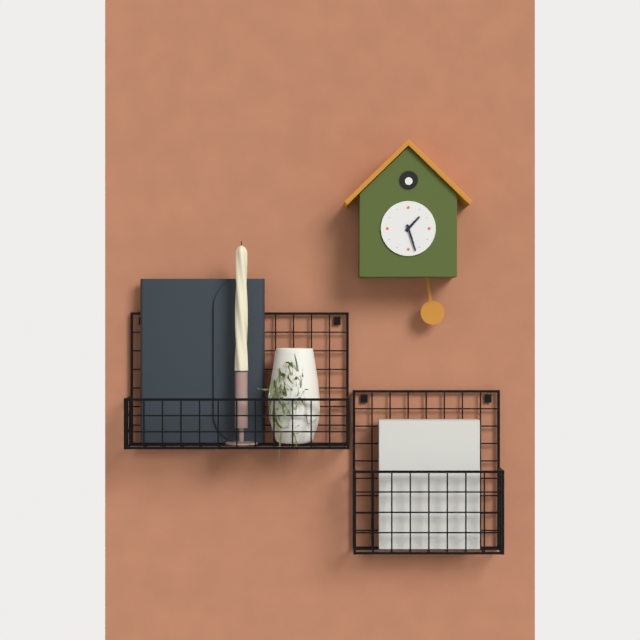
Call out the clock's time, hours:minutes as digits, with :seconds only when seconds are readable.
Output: 1:27
